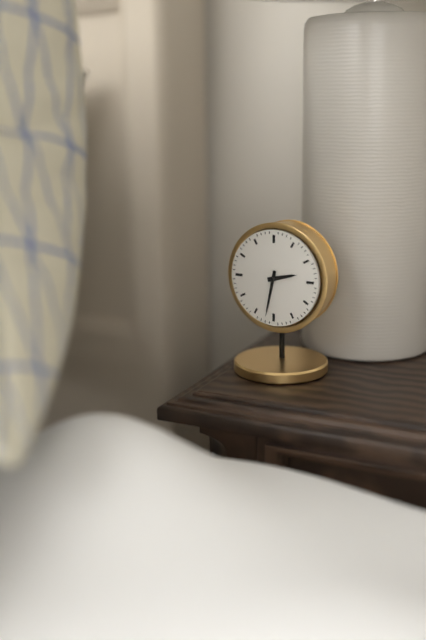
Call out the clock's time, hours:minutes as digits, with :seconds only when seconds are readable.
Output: 2:32
